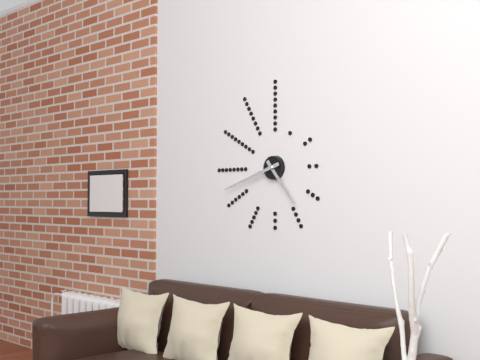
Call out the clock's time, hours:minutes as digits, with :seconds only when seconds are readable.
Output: 4:42
